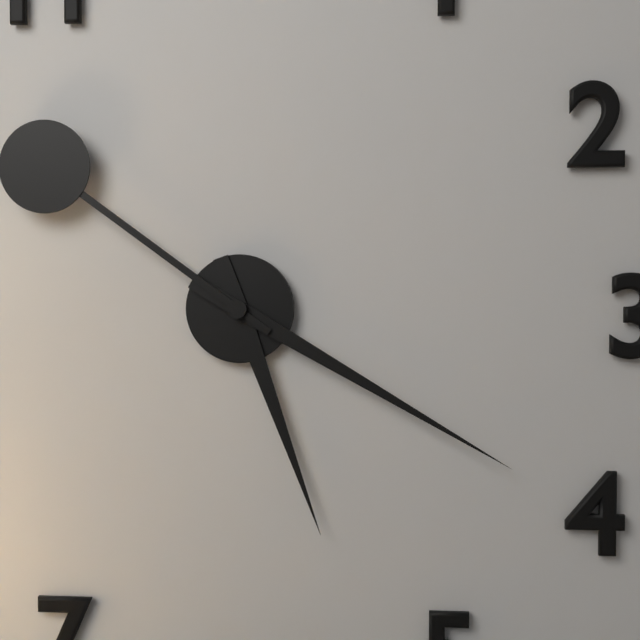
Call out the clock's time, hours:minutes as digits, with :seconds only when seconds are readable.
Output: 5:20:51
